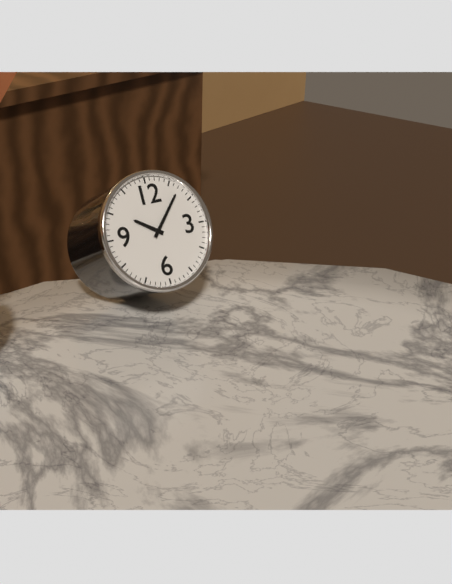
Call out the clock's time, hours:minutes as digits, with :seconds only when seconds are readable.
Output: 10:07
